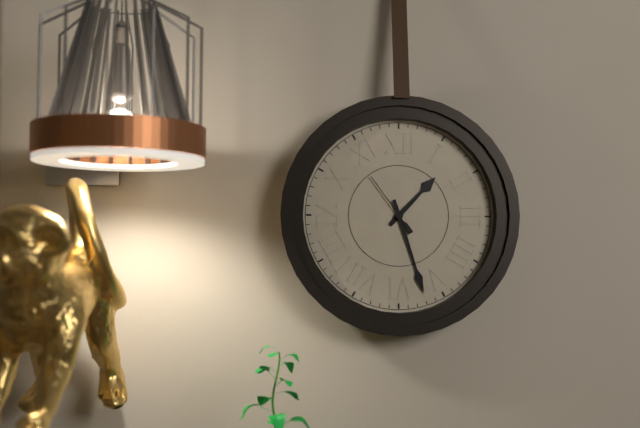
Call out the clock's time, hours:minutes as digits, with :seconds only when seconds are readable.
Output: 1:27:54
